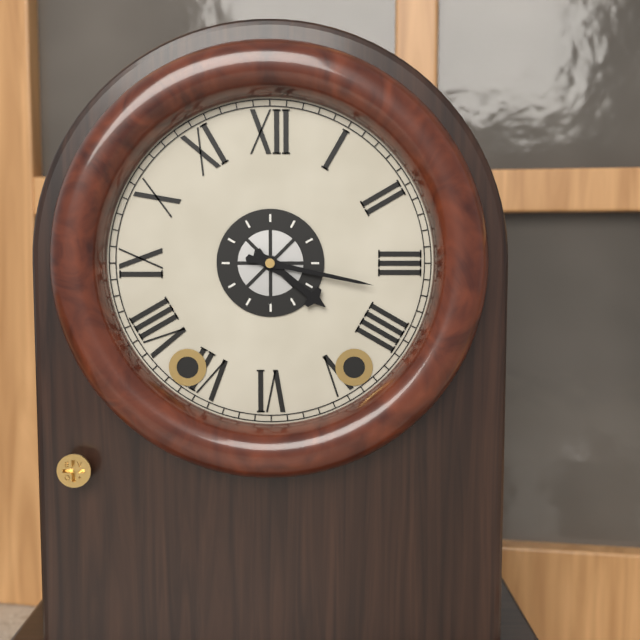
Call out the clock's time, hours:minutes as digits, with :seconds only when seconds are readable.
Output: 4:17
